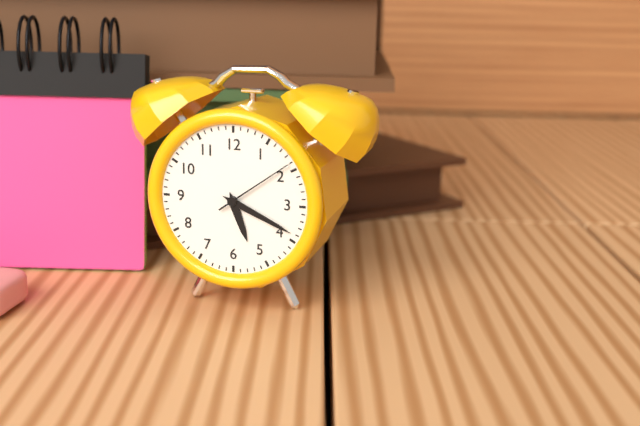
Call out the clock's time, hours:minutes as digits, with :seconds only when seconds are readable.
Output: 5:19:09
